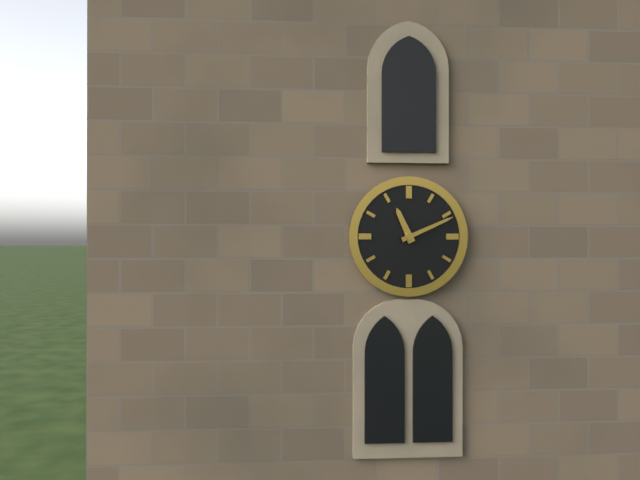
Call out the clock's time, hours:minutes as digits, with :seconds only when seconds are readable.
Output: 11:11
